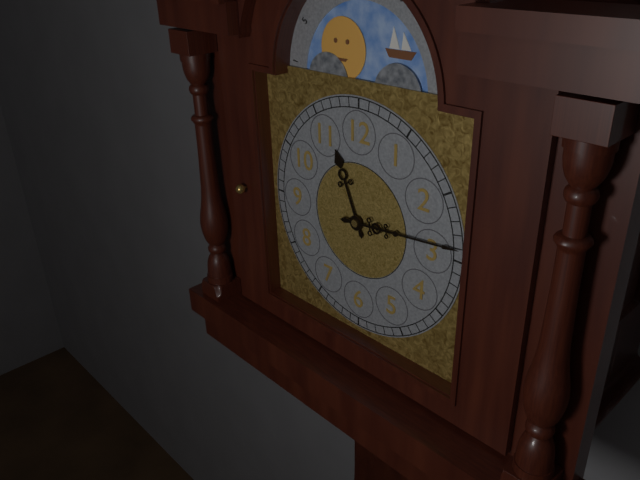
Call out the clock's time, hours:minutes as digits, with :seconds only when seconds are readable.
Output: 11:14
